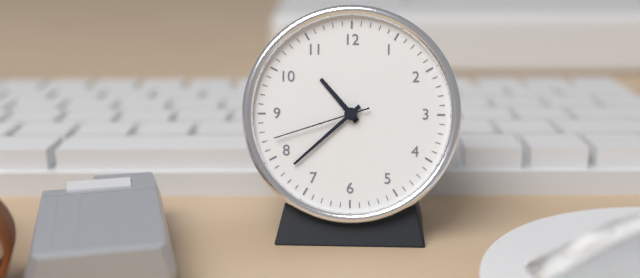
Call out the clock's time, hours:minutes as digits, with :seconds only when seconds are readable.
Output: 10:38:42
